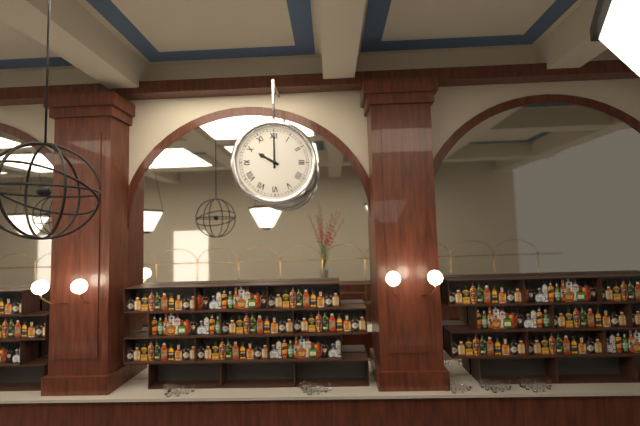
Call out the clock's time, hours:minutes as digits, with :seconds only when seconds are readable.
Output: 10:00
